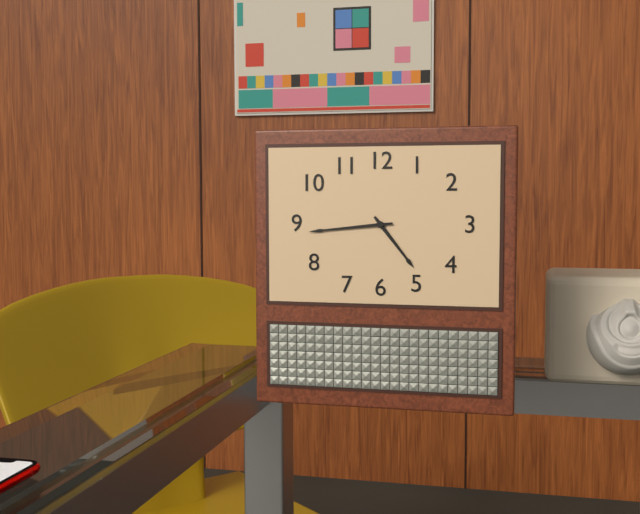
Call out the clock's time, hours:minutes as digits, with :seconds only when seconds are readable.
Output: 4:44
